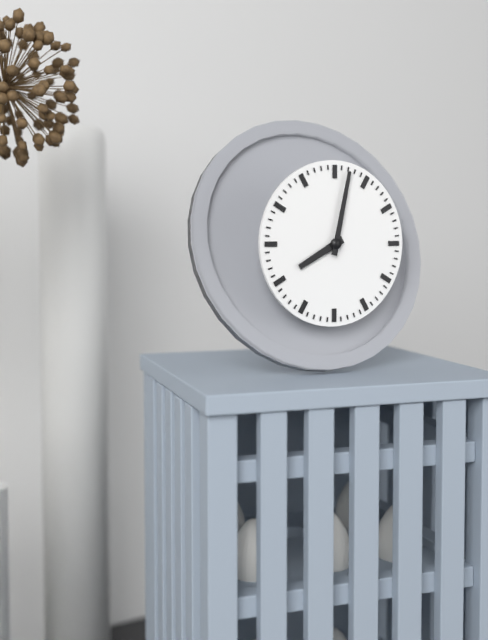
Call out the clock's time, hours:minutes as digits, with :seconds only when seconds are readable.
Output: 8:02
